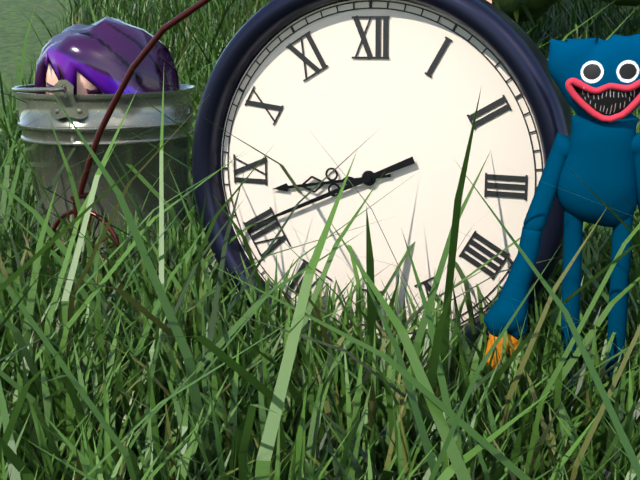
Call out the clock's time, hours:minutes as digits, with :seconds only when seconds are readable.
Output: 8:41
